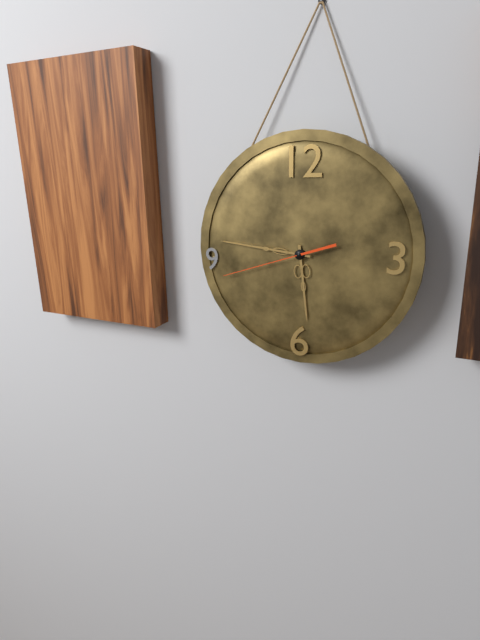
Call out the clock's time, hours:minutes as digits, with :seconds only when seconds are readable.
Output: 5:46:42
